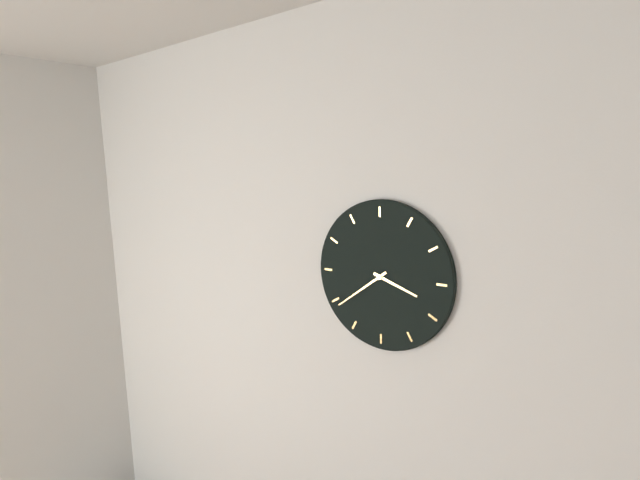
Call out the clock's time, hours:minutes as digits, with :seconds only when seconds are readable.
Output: 3:39
